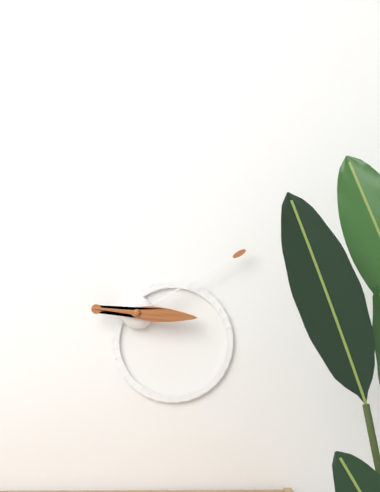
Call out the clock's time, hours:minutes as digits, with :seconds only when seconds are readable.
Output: 3:10
